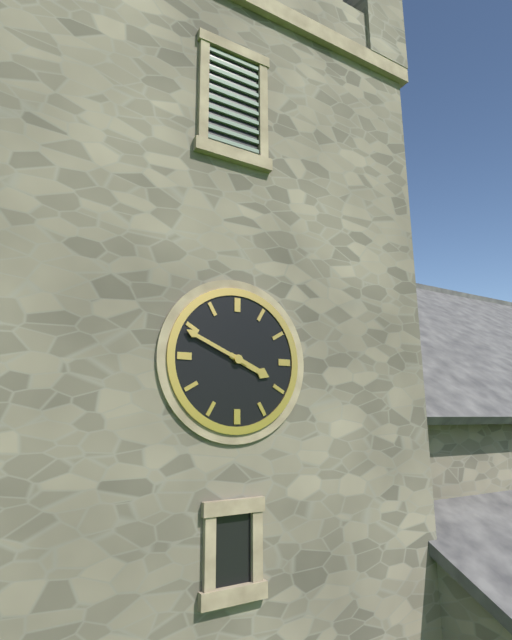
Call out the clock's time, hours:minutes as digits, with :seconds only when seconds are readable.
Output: 3:49
